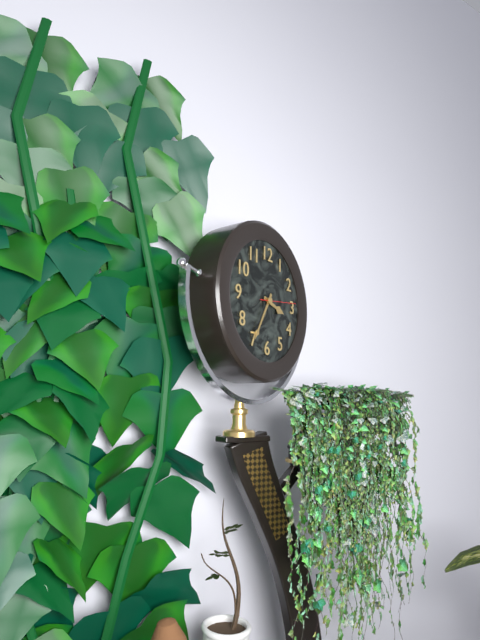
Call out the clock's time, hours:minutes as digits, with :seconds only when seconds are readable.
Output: 3:35
